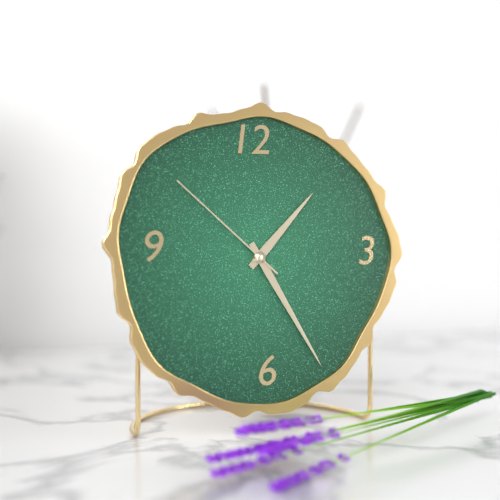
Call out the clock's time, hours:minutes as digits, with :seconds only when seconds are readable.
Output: 1:25:52
